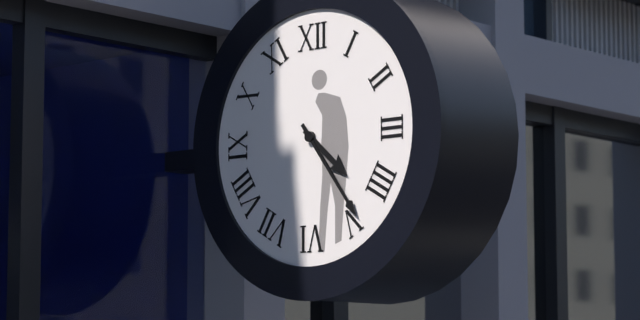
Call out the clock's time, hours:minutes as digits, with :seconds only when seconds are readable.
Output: 4:24
